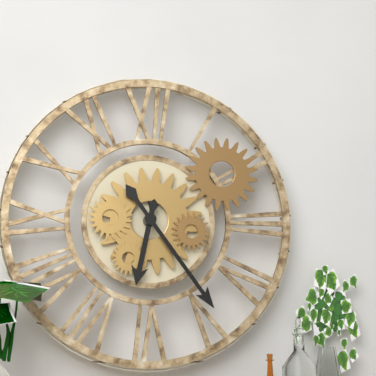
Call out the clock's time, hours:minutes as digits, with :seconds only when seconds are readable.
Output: 6:24
